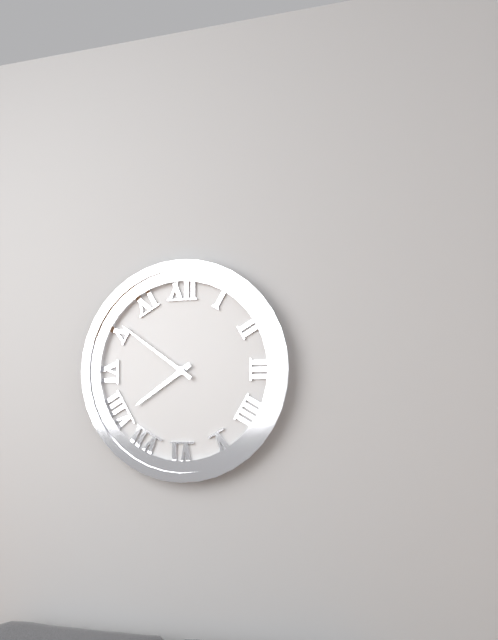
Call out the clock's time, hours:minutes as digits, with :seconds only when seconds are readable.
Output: 7:51
